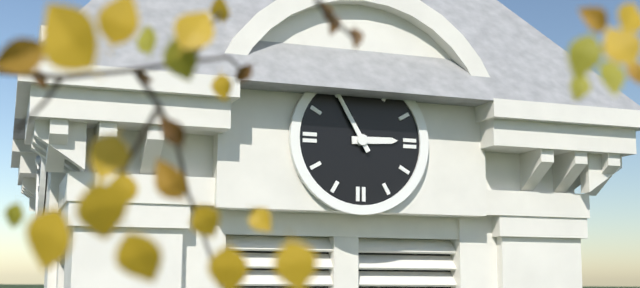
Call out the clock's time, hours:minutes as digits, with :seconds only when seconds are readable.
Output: 2:55
